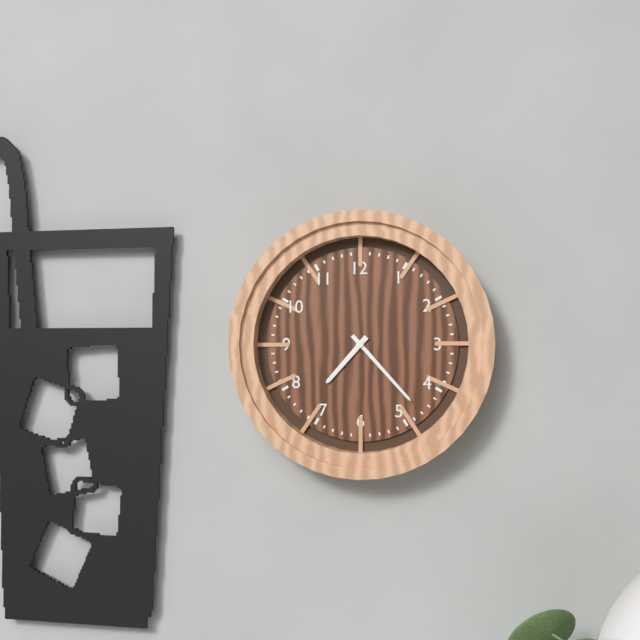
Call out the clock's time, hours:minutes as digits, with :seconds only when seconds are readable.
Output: 7:23
